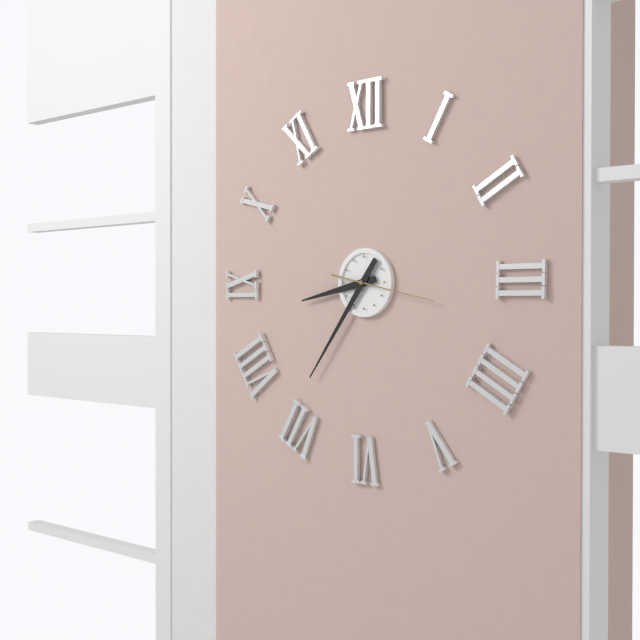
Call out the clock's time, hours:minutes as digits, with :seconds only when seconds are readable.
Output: 8:36:17
